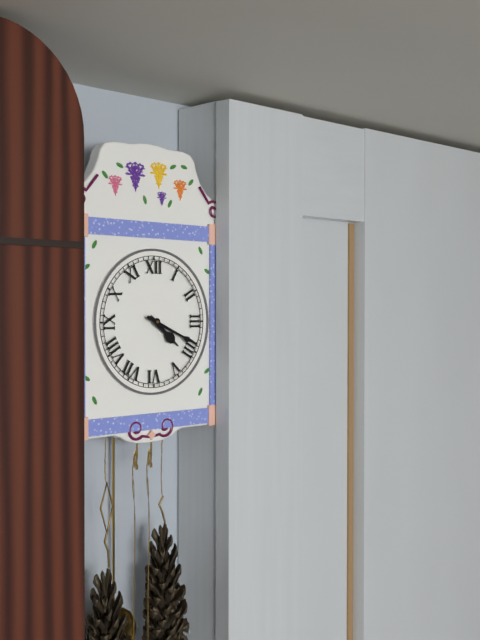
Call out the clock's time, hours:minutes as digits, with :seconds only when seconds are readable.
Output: 4:19
